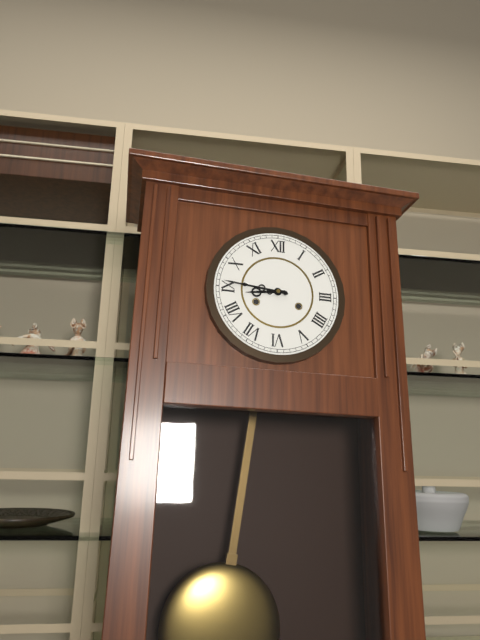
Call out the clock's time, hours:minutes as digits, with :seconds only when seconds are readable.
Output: 8:46
